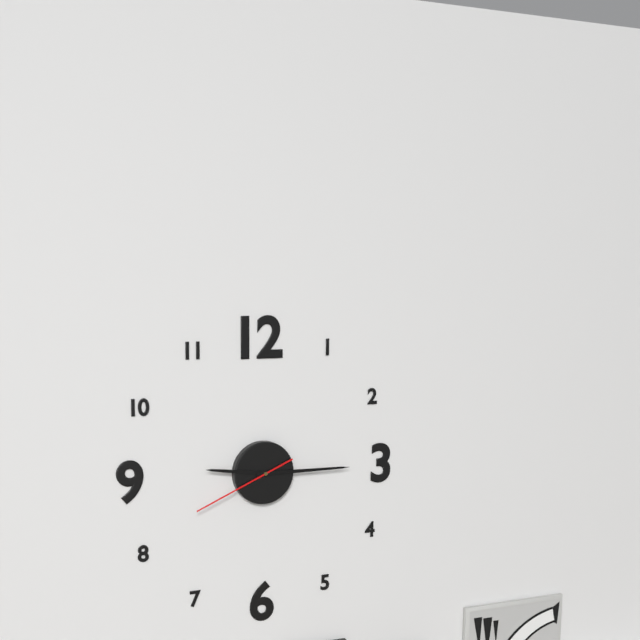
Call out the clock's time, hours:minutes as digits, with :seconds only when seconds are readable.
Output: 9:15:41
